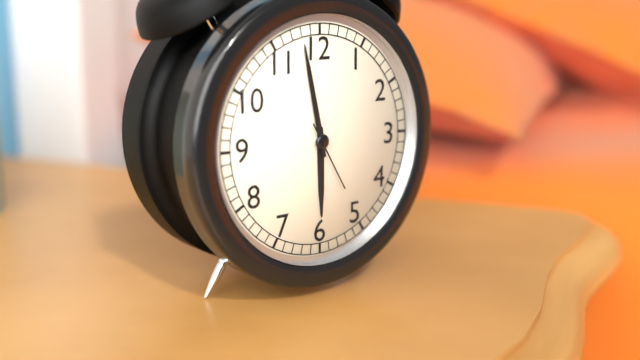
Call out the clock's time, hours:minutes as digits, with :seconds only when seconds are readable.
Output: 5:58:25
